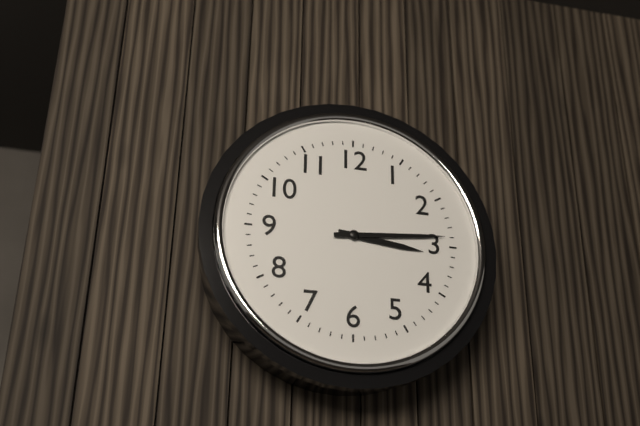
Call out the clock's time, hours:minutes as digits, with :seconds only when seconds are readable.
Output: 3:14
